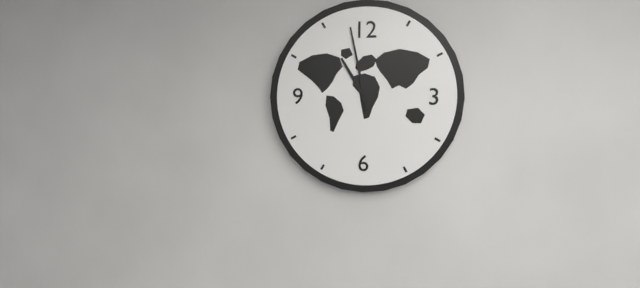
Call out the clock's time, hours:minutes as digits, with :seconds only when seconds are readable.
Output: 10:58
